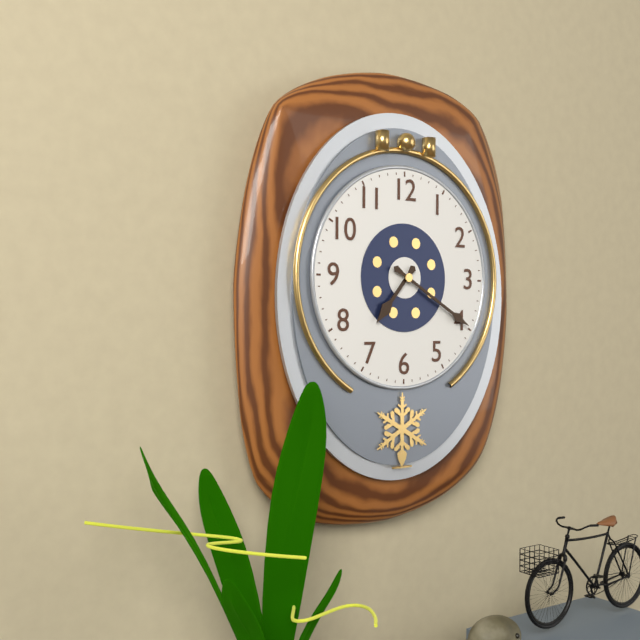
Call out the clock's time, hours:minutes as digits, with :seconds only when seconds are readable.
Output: 7:20
